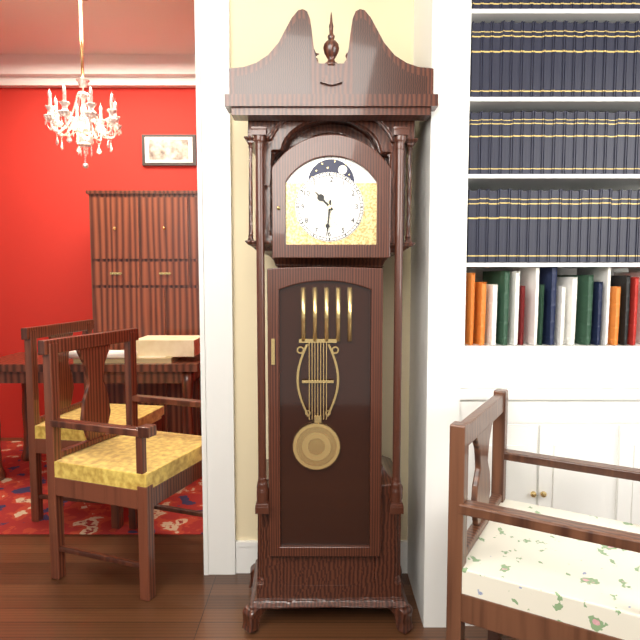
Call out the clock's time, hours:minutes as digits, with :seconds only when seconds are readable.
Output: 10:31
